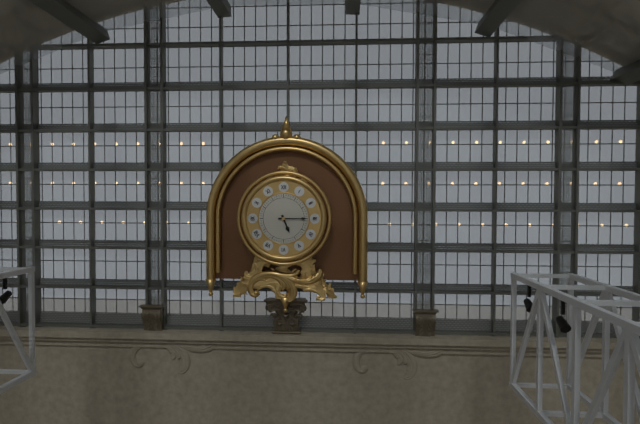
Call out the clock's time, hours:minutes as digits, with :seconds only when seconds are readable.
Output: 5:15
